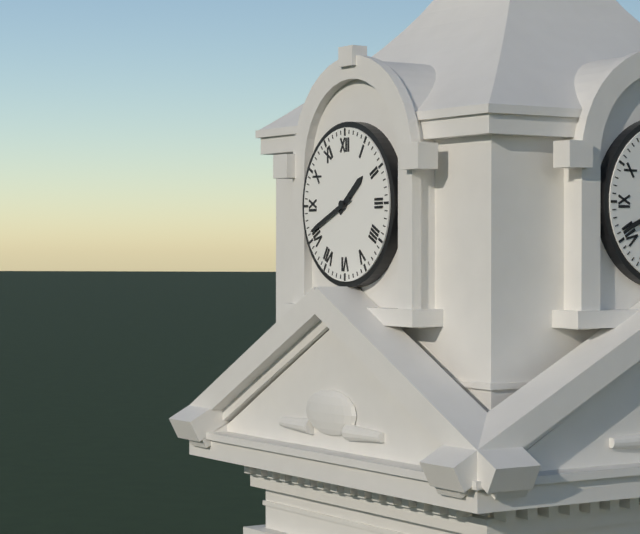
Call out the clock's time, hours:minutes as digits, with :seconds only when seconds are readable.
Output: 1:41
